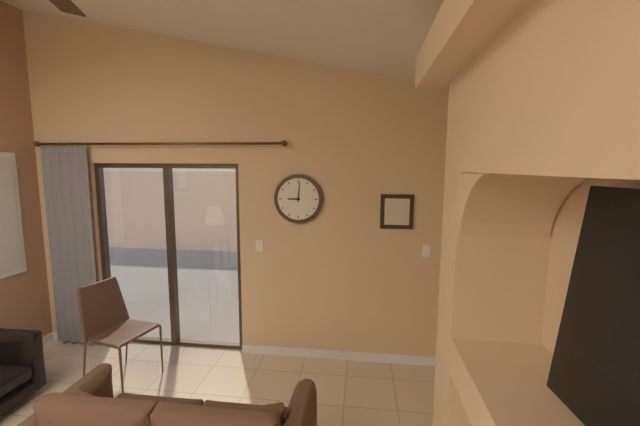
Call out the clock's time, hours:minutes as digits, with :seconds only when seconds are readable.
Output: 9:01
